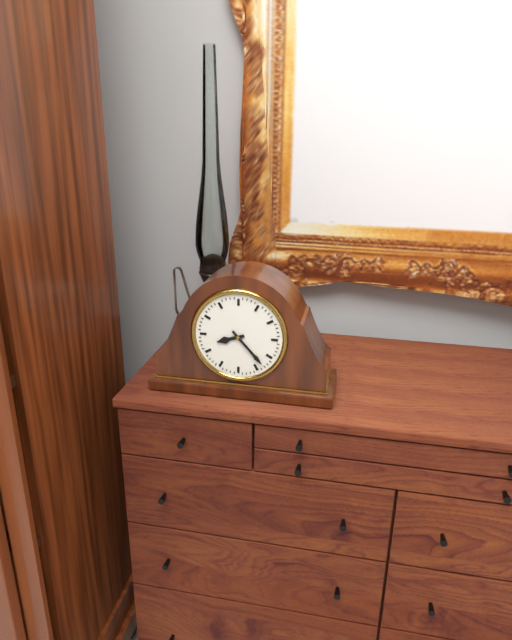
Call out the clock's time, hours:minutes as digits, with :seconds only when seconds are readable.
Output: 8:23
